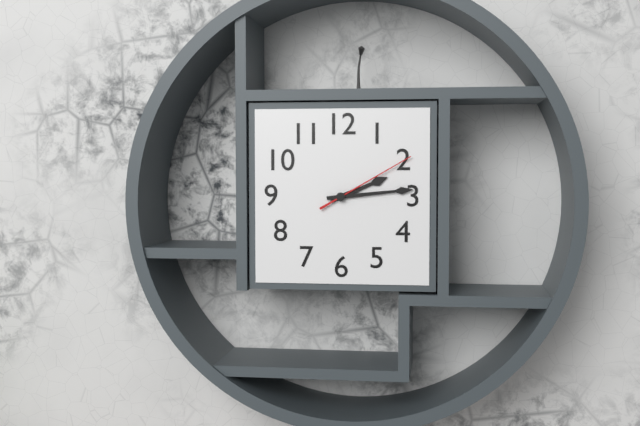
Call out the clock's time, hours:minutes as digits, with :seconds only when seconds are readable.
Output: 2:14:10
